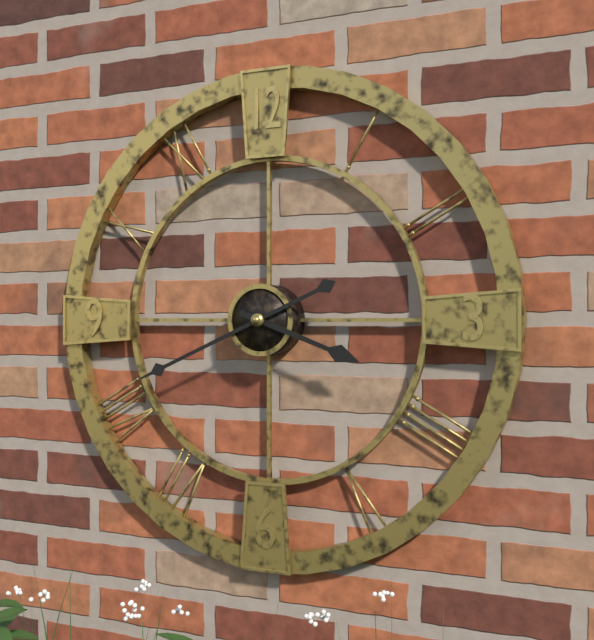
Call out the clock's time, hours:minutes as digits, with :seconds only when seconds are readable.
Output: 3:41
